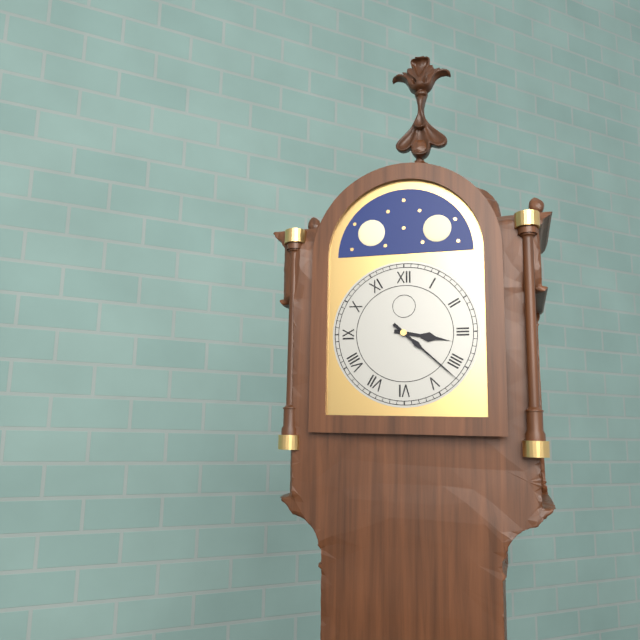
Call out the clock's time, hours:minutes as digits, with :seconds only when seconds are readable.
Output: 3:22
